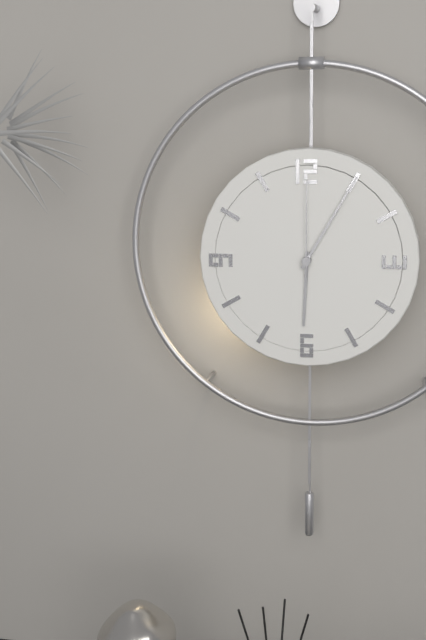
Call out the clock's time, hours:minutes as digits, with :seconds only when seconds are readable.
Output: 6:05:00
